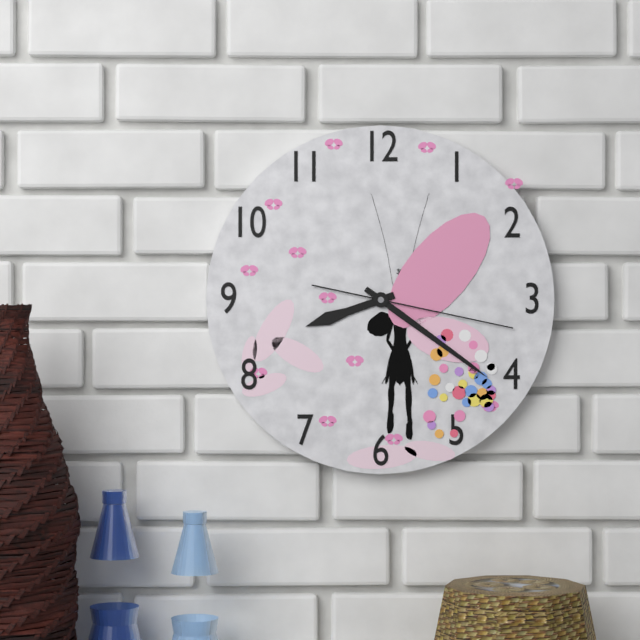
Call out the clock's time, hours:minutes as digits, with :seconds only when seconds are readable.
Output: 8:21:17
